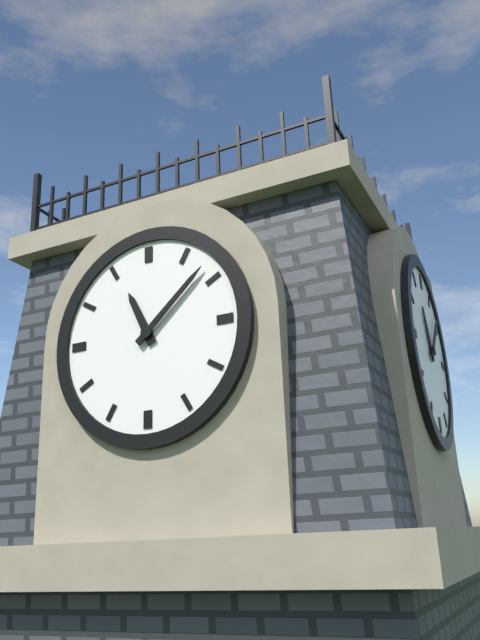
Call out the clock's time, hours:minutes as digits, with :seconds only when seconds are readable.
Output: 11:08
